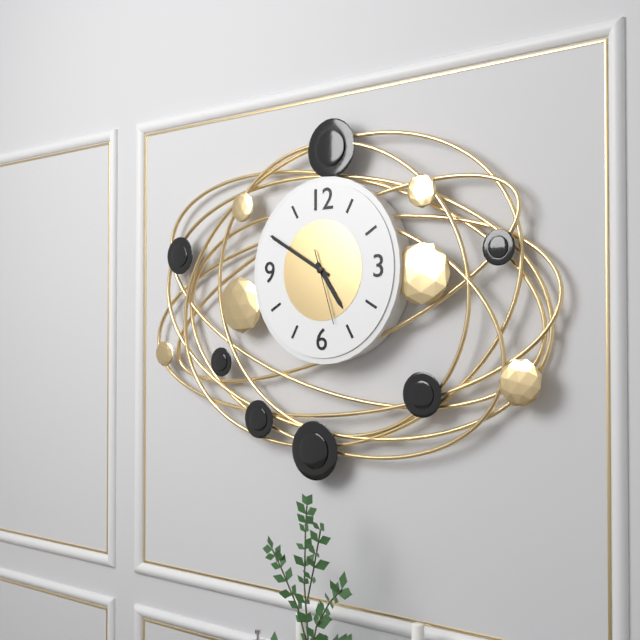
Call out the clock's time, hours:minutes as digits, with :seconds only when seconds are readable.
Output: 4:50:27
